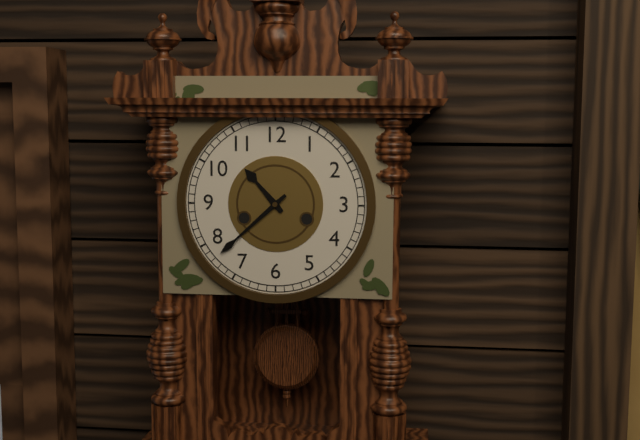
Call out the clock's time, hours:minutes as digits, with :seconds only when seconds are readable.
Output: 10:38
